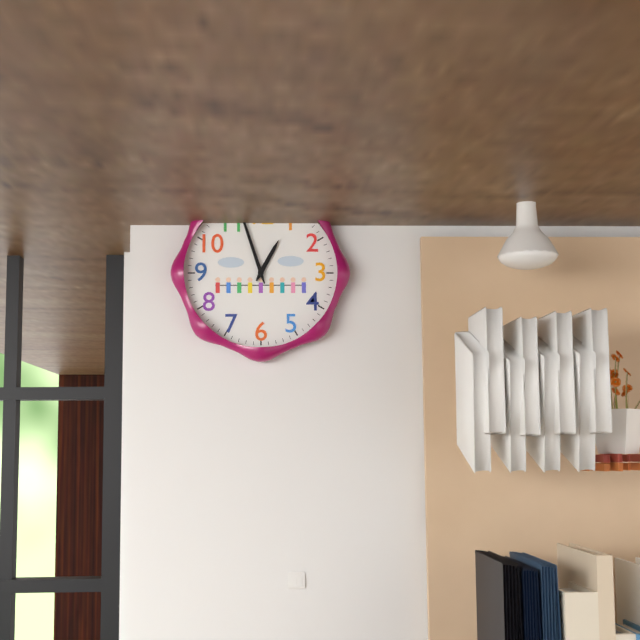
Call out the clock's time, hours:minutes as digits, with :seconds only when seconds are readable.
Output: 12:57
